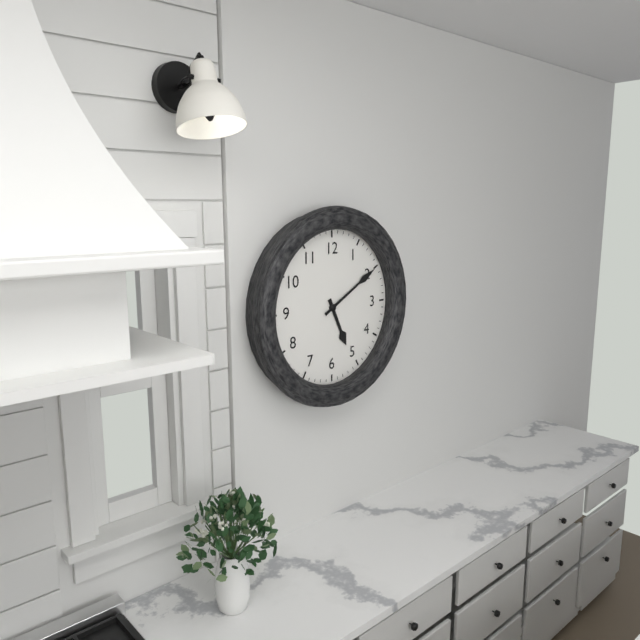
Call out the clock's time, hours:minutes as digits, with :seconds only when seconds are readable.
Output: 5:10
